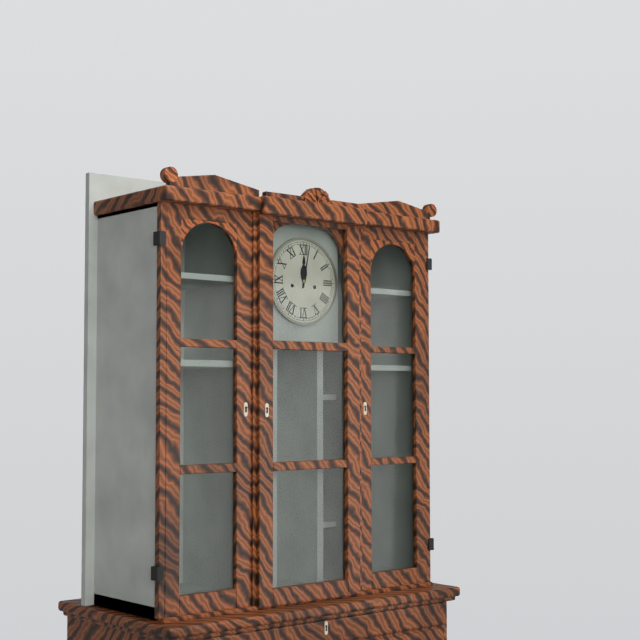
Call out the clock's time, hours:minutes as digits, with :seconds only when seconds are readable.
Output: 12:02
